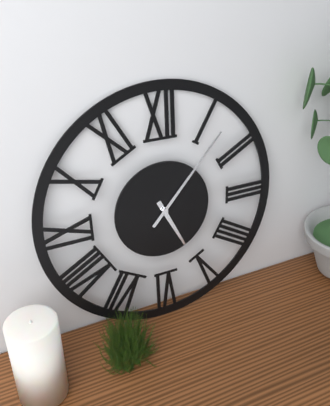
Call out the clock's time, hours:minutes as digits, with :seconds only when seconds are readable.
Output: 5:07
